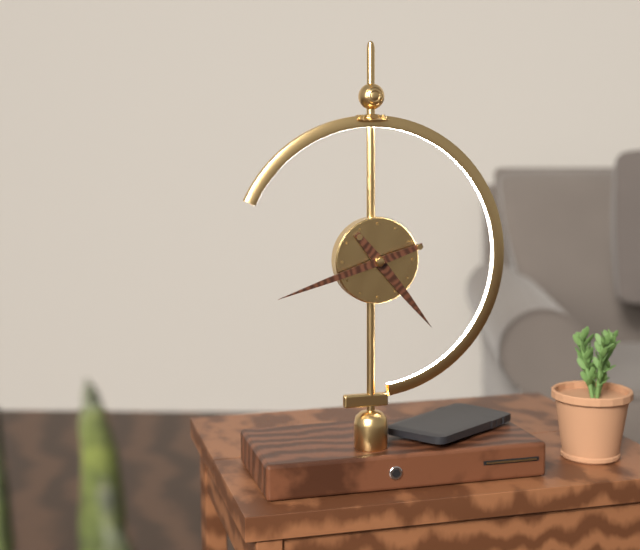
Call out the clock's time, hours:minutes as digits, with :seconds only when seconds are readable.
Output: 4:42
